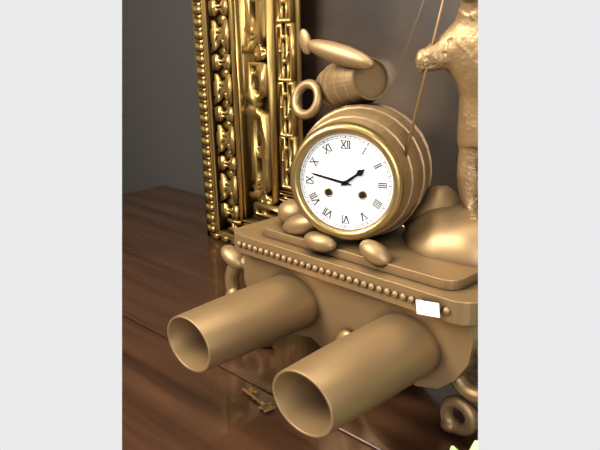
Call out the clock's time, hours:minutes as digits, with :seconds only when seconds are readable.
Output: 1:47
